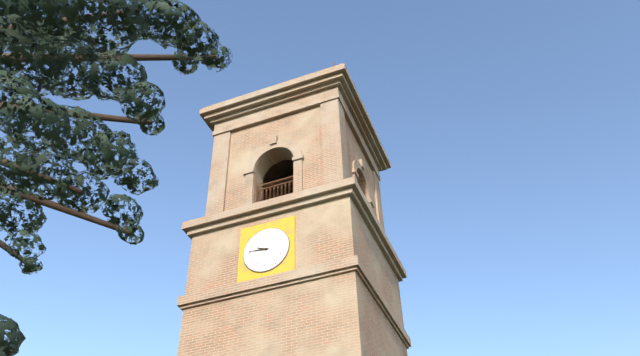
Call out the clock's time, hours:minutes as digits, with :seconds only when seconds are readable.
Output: 9:46
